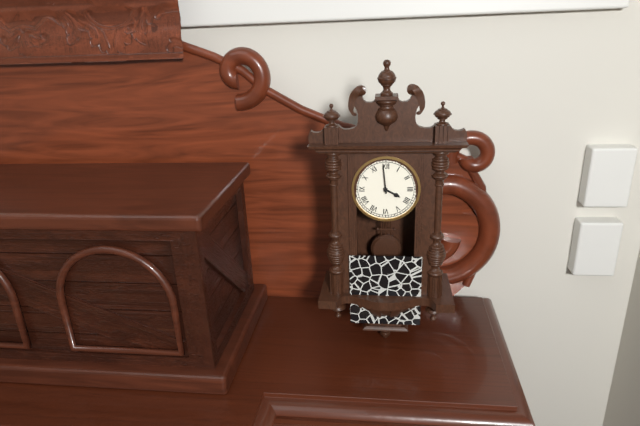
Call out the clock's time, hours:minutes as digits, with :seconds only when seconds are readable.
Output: 3:59
